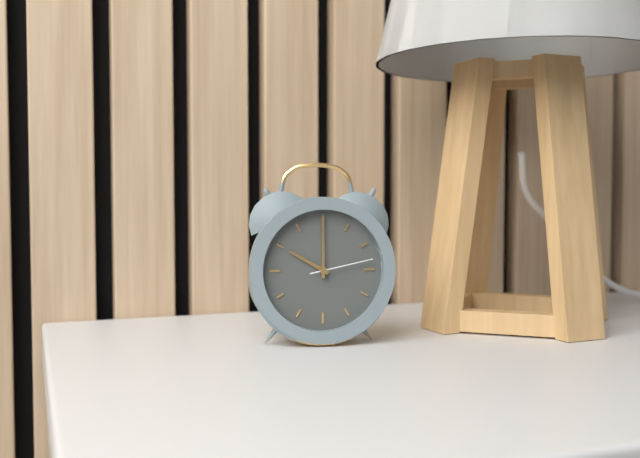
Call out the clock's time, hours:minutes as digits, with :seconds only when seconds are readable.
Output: 10:00:13
